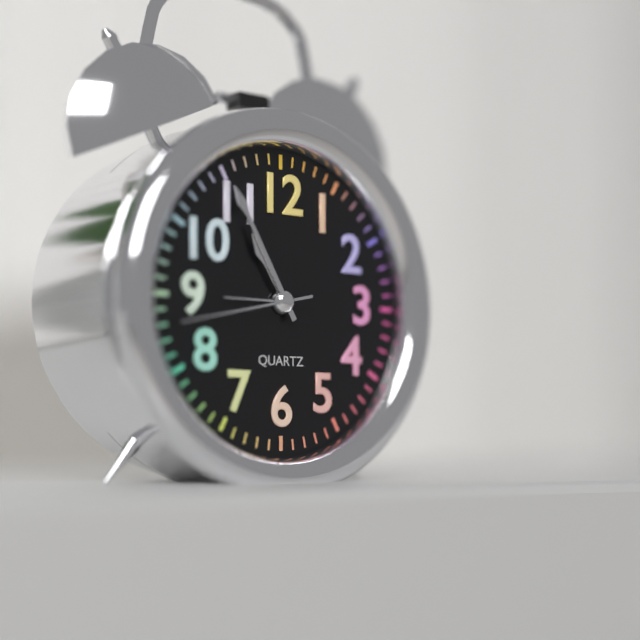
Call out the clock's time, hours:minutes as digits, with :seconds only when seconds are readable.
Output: 10:55:43
